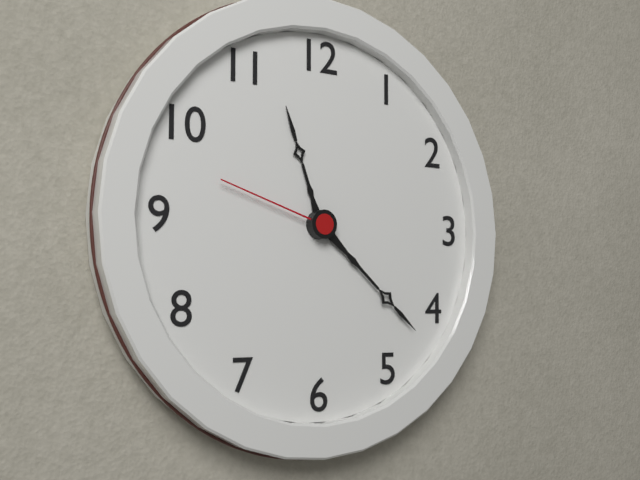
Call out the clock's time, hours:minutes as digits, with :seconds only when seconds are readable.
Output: 11:22:48
